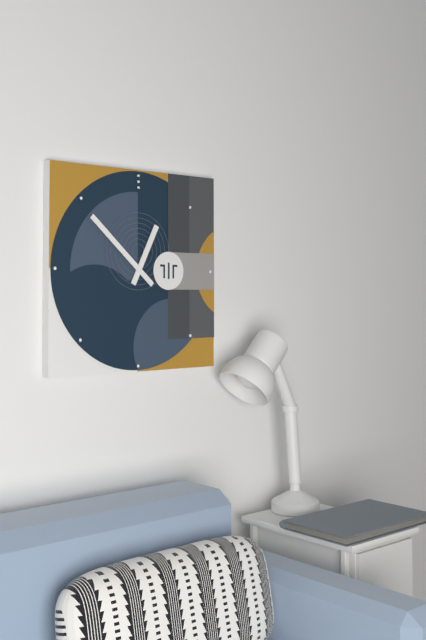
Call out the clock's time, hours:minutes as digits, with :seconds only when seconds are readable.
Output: 12:52
